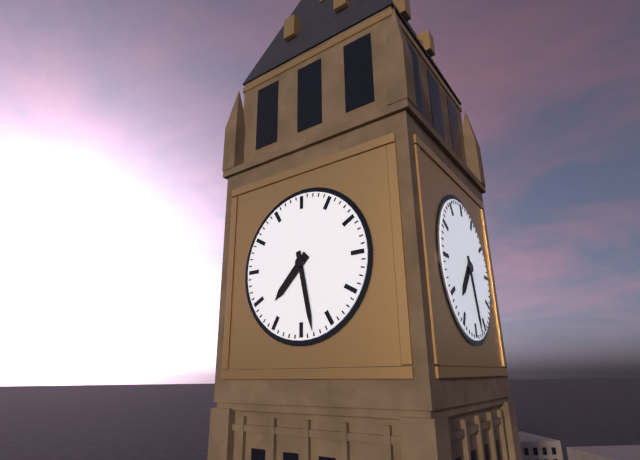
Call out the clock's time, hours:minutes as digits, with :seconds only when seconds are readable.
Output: 7:28
